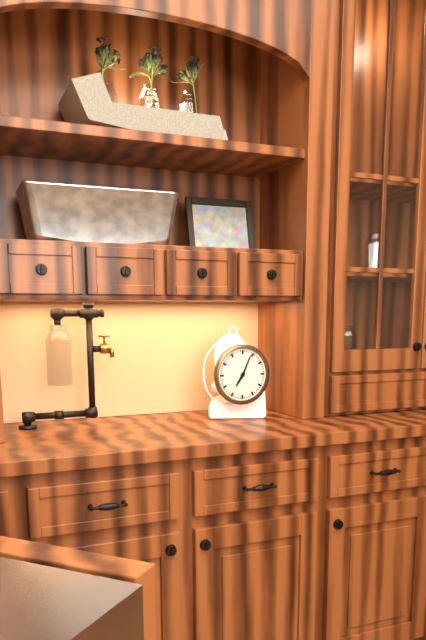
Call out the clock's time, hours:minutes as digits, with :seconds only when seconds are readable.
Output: 7:04
